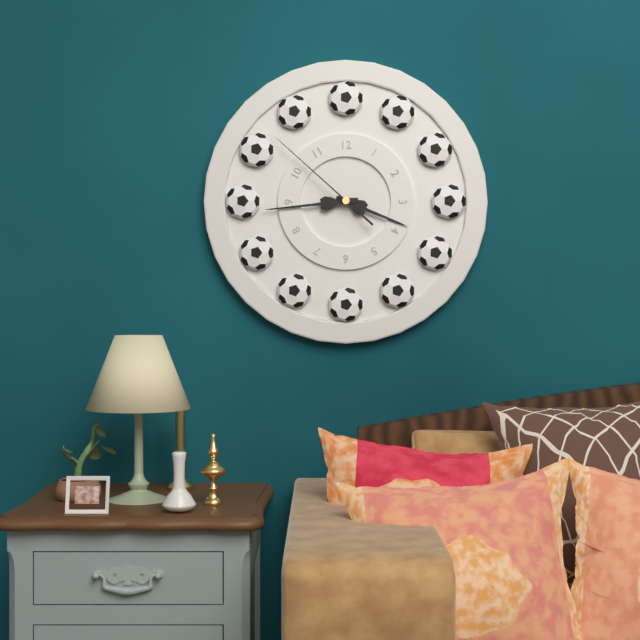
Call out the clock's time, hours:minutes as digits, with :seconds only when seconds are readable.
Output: 3:44:52
